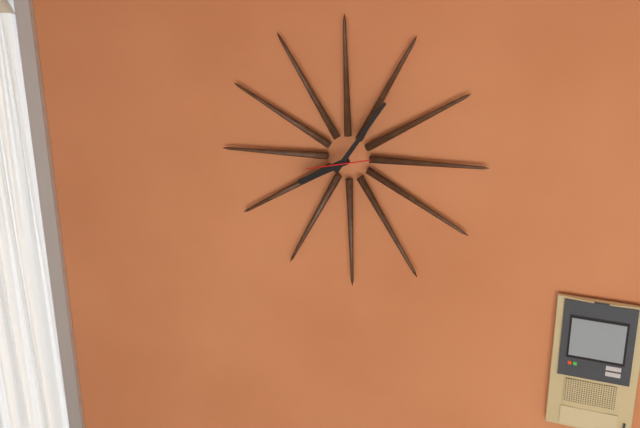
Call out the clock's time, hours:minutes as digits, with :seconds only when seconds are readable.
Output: 8:06
